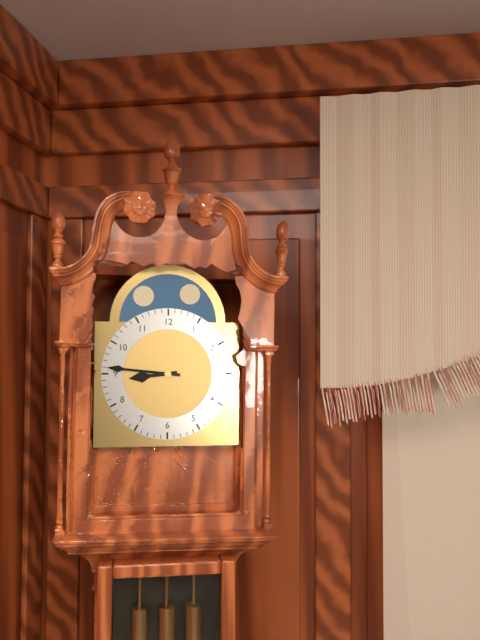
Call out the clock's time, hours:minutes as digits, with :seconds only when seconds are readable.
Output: 8:46
